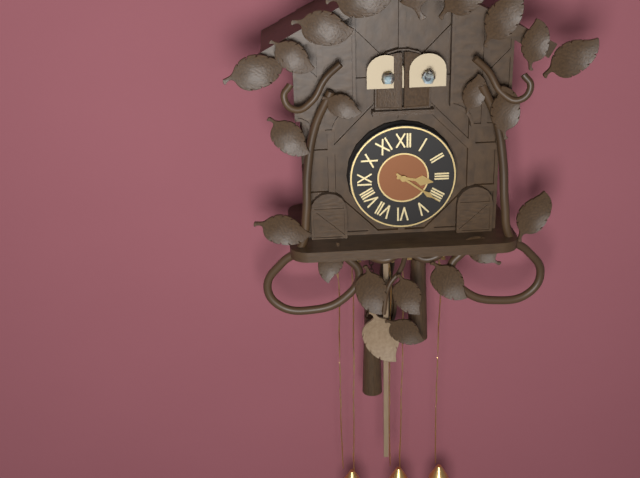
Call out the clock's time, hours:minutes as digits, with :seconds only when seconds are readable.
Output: 3:21
